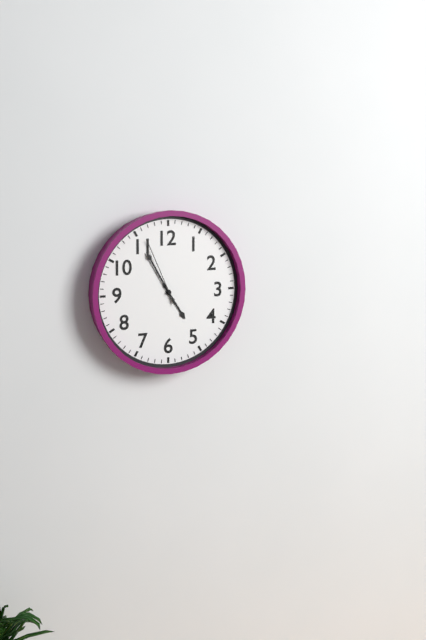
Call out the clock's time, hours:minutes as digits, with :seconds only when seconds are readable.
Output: 4:55:56
